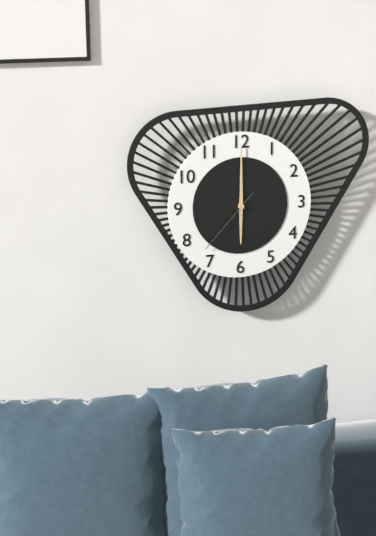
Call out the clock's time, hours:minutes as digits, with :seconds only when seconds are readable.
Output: 6:00:37
